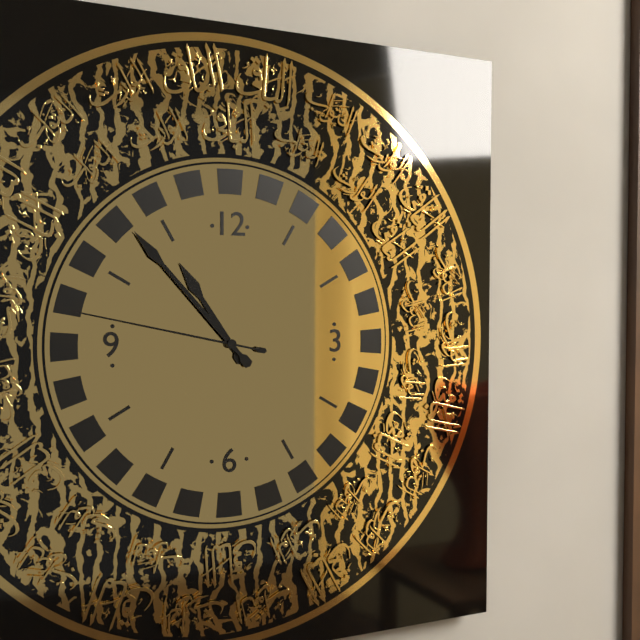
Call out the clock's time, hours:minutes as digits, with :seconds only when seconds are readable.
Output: 10:53:47
